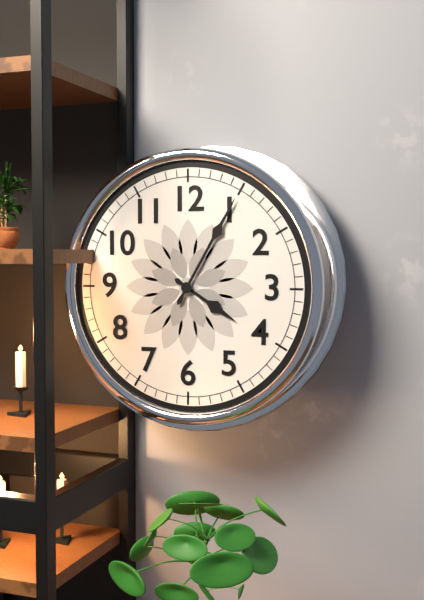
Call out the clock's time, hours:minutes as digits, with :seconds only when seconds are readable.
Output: 4:05
